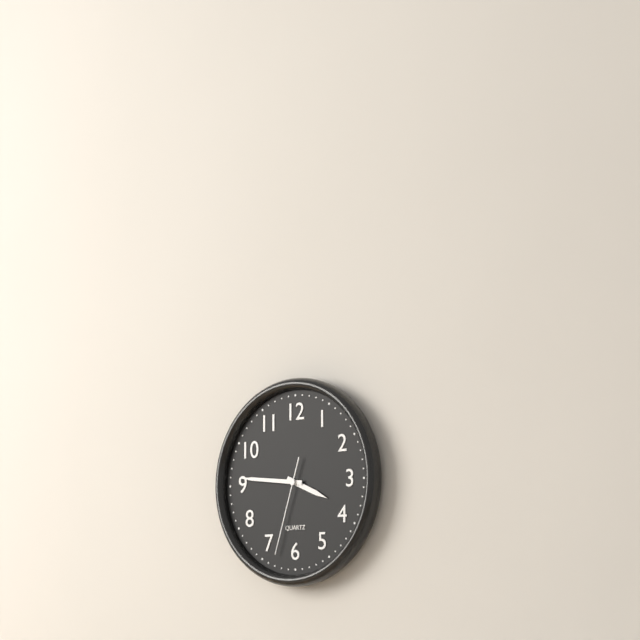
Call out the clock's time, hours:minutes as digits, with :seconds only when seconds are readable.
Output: 3:46:33
